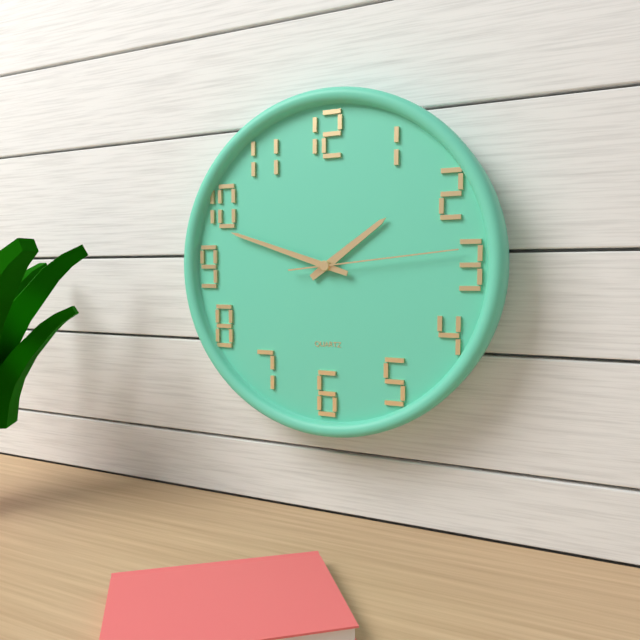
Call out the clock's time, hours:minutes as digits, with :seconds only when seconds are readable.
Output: 1:48:14
